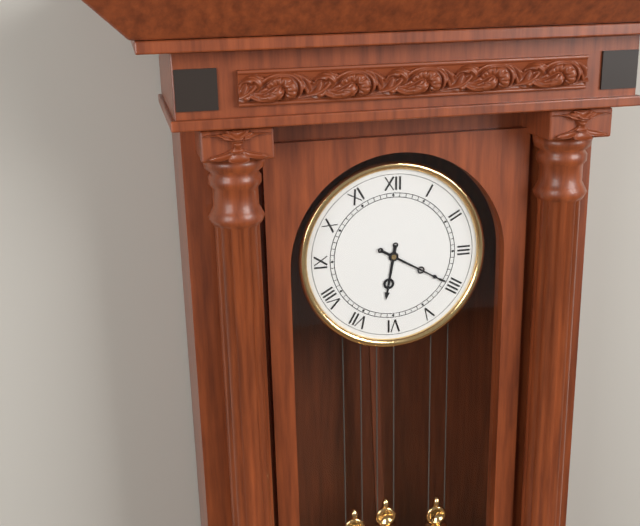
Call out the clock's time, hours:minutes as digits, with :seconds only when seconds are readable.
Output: 6:20
